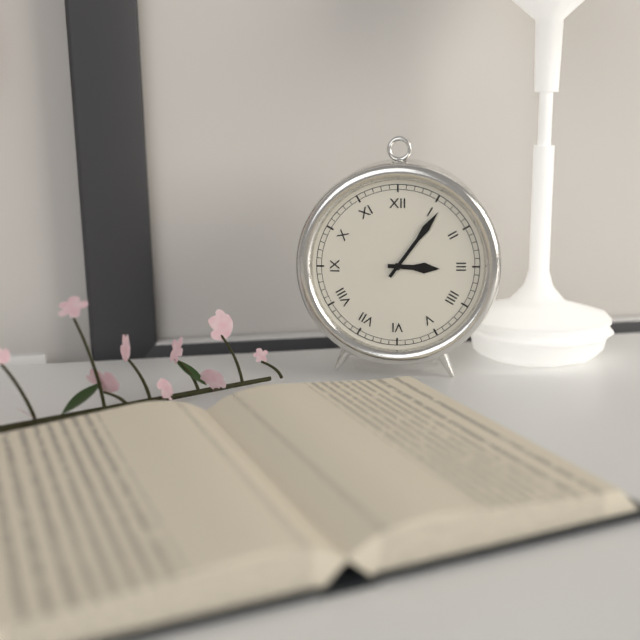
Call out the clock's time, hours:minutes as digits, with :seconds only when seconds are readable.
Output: 3:06
